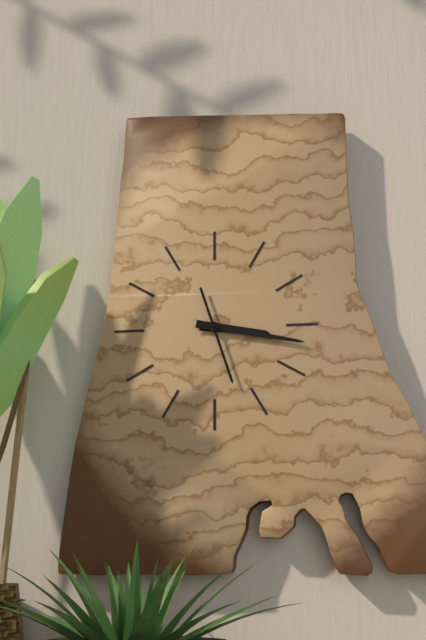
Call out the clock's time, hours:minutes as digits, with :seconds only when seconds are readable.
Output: 3:17:27
